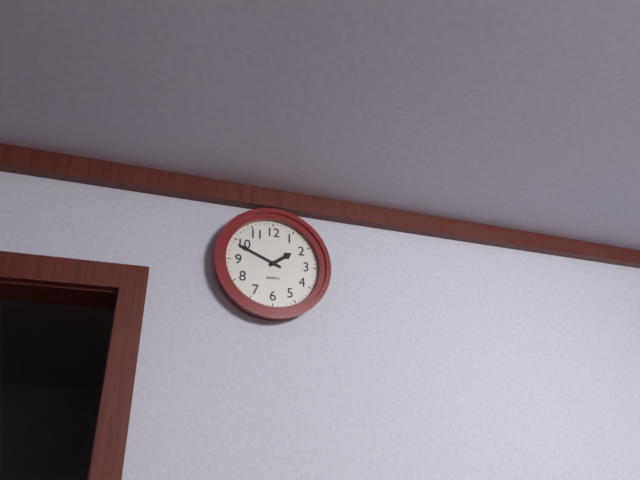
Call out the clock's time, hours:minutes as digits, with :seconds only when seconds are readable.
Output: 1:49
